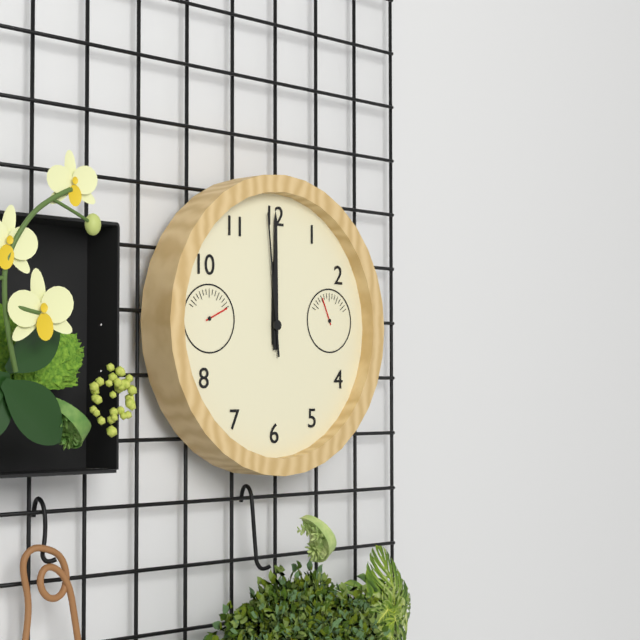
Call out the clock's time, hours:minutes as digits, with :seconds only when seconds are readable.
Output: 12:00:59
